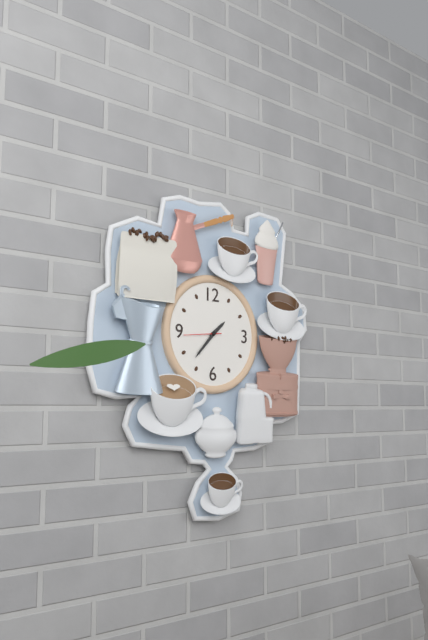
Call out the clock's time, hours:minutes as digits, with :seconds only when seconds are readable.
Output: 1:37
